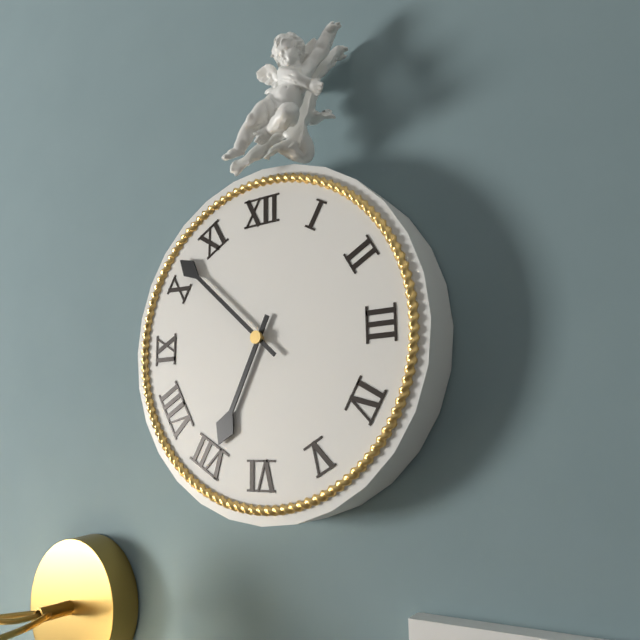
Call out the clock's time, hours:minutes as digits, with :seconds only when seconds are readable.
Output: 6:52
